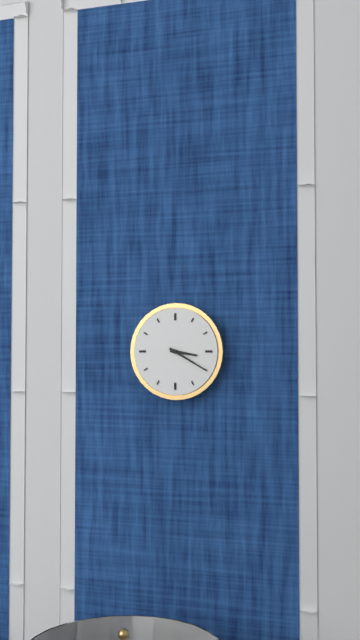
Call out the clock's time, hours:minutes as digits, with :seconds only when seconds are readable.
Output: 3:20
